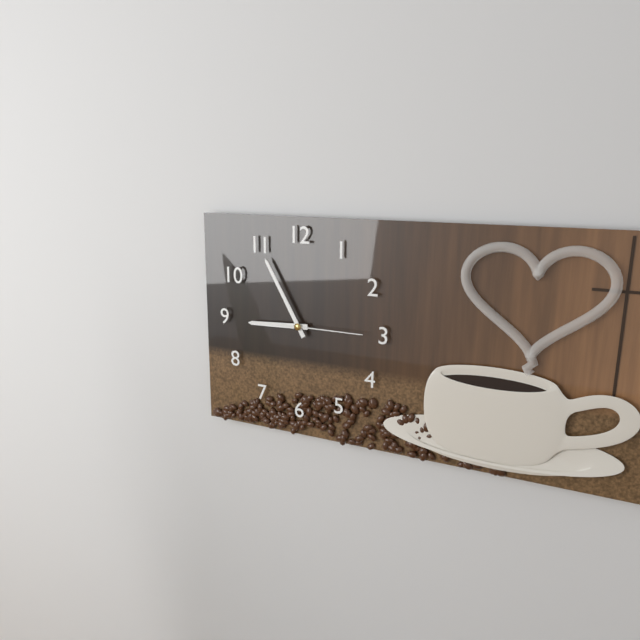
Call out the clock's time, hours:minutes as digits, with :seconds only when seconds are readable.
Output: 8:55:15
